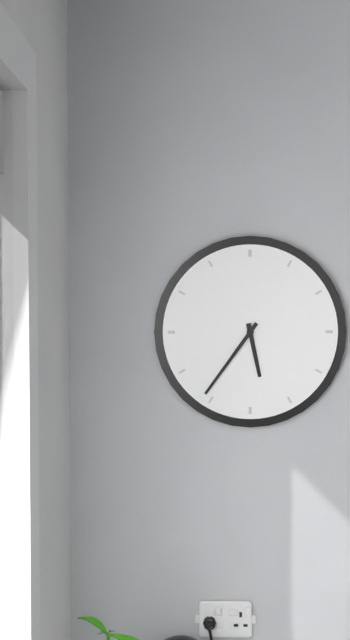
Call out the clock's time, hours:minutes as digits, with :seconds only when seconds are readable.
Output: 5:36
